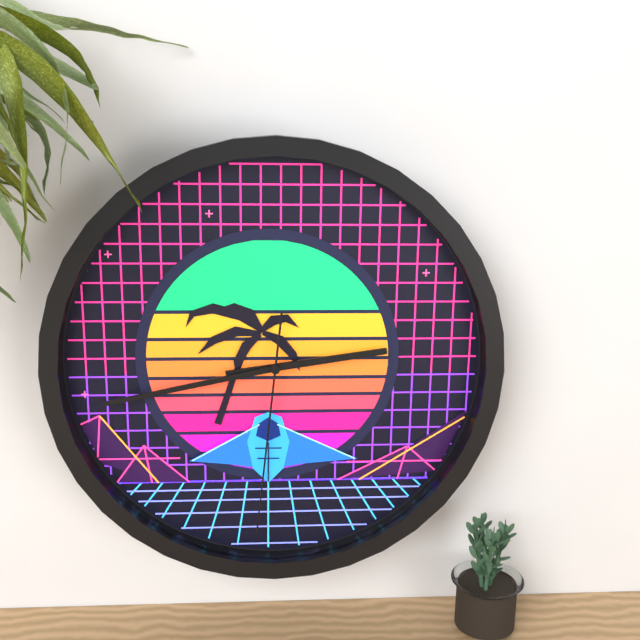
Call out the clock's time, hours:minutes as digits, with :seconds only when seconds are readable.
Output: 2:43:31
